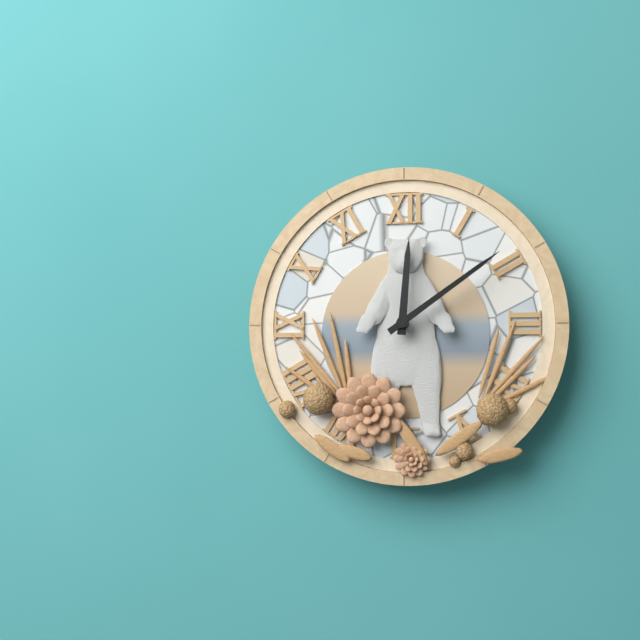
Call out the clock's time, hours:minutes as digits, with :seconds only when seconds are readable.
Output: 12:09
